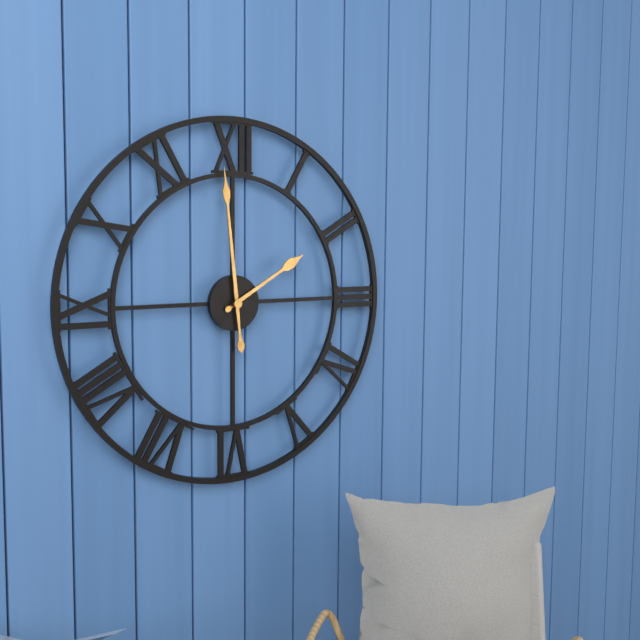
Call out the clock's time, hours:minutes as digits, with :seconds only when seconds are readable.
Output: 1:59
